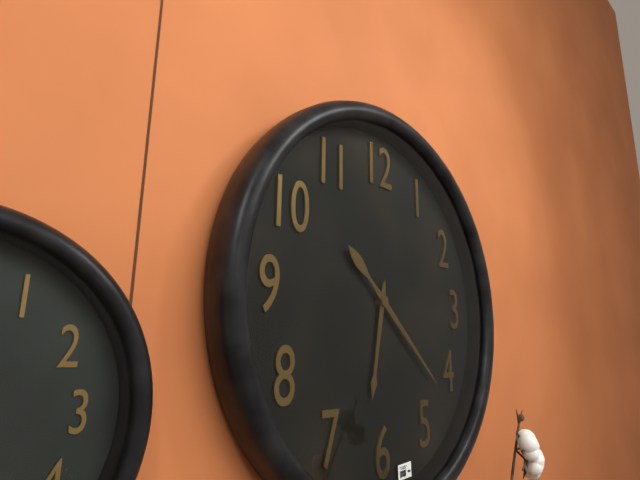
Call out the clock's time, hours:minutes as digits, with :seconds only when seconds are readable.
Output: 6:22
